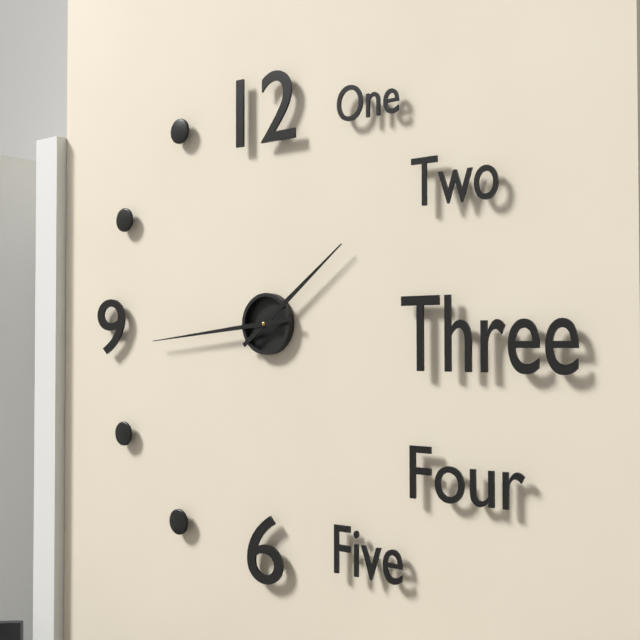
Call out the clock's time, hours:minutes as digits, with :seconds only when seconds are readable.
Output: 1:44
